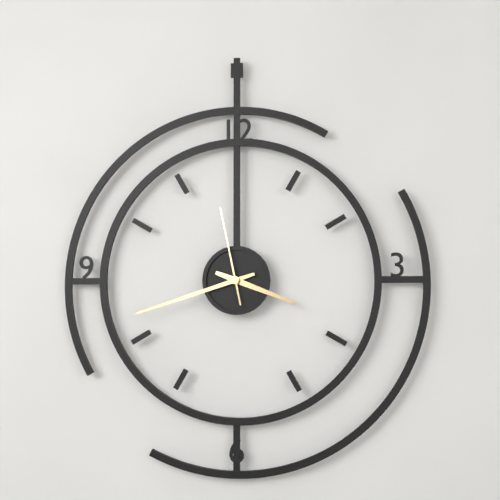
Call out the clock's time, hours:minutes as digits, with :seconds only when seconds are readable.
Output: 3:42:58
